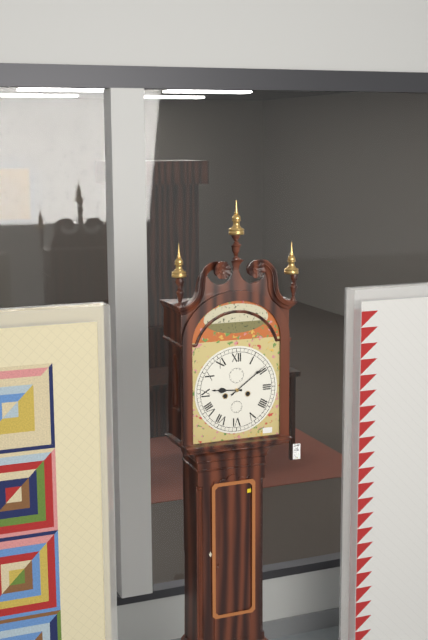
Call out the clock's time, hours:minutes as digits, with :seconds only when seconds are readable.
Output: 9:09
